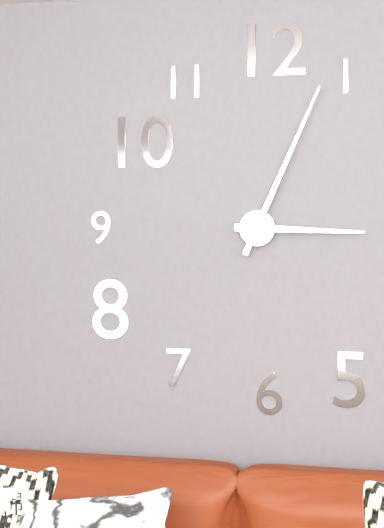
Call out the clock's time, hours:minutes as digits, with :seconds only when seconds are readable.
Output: 3:04
